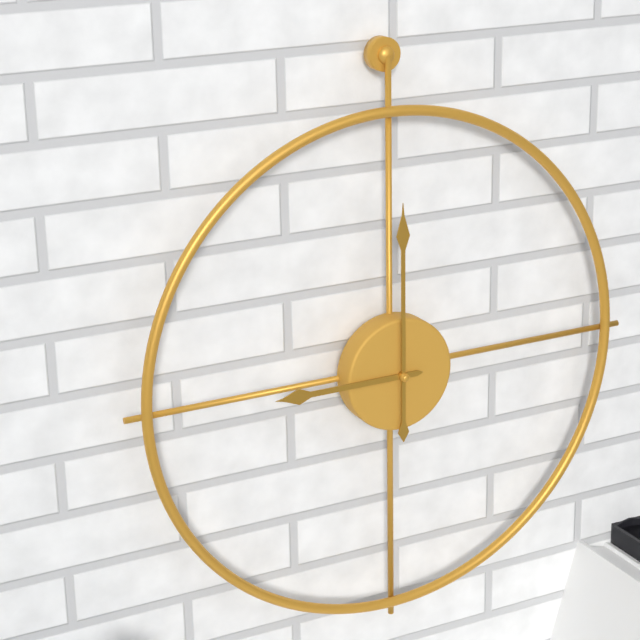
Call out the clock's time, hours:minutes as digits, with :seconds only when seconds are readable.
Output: 9:00
